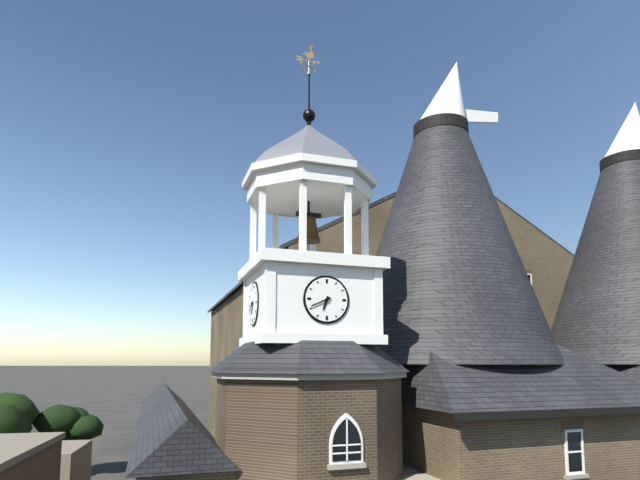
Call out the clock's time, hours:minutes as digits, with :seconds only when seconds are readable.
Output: 6:41
